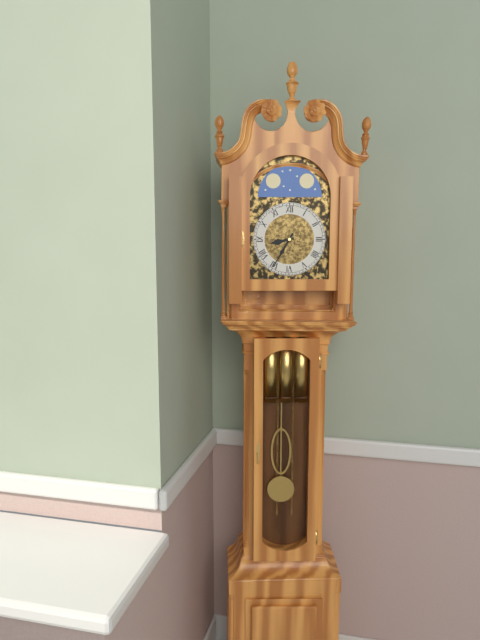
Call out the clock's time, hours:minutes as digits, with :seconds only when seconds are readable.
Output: 8:35
